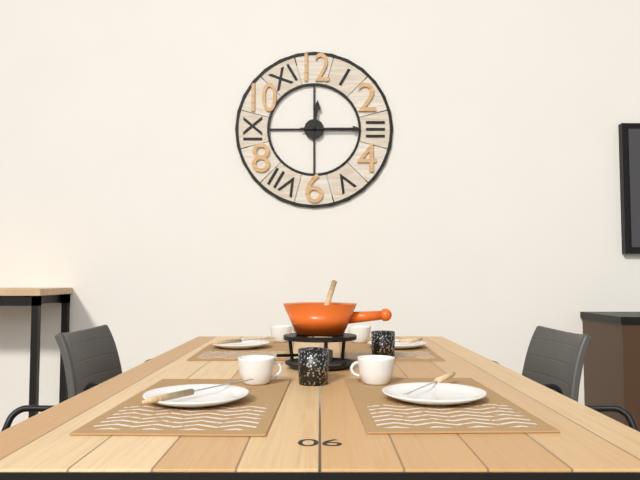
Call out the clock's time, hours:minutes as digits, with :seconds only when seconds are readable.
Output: 12:15
